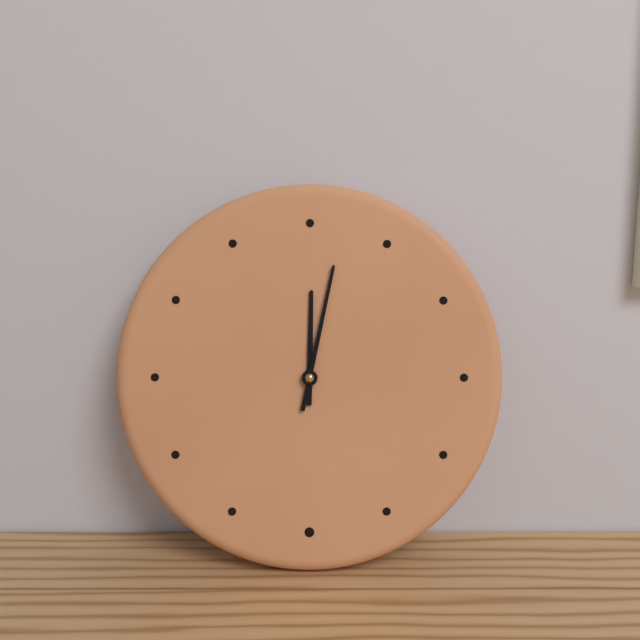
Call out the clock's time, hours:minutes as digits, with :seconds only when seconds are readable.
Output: 12:02
